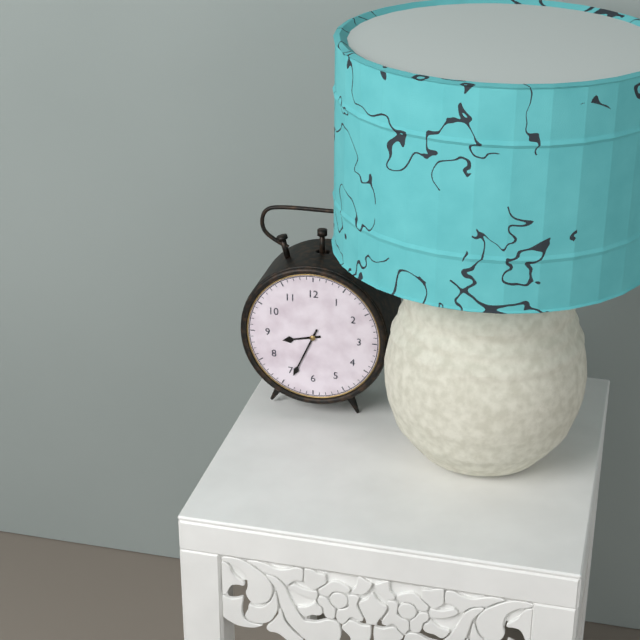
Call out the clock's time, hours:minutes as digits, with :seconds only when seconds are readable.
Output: 8:34
